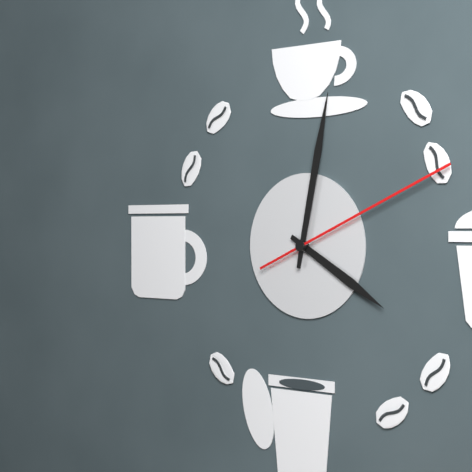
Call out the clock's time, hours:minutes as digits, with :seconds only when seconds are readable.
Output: 4:02:11
